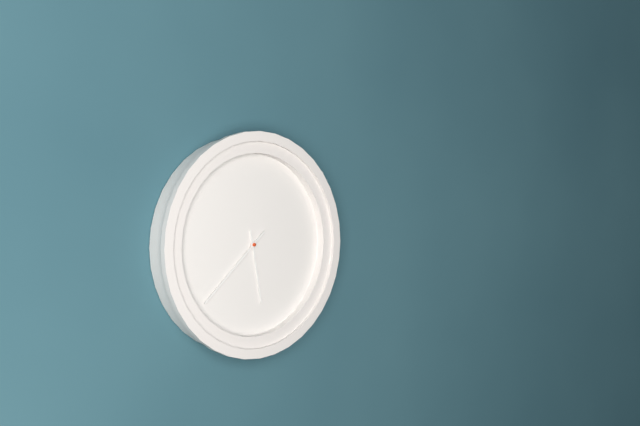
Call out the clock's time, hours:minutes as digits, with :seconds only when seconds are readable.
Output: 5:38
